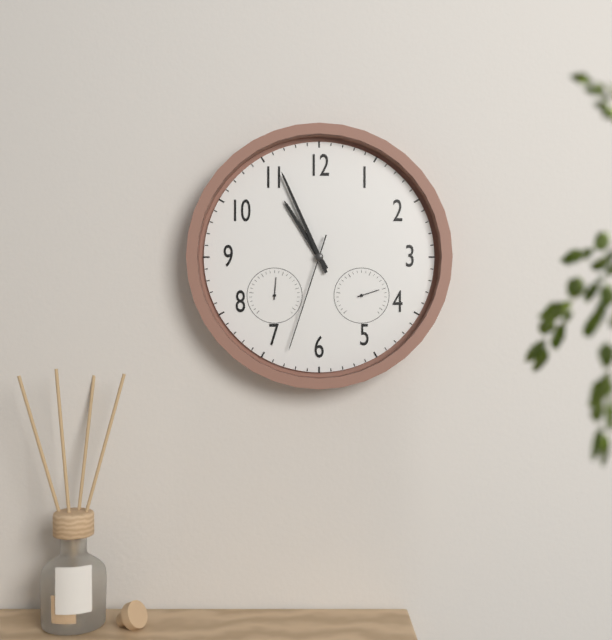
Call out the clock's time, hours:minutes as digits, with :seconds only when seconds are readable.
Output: 10:56:33
